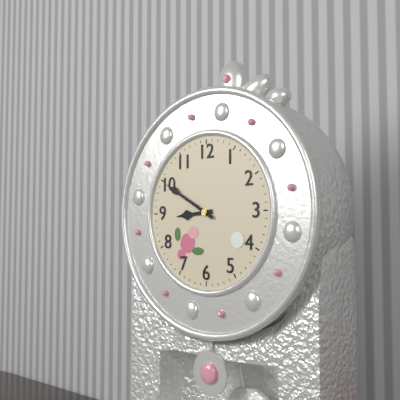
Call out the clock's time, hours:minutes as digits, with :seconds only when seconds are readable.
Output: 8:50
